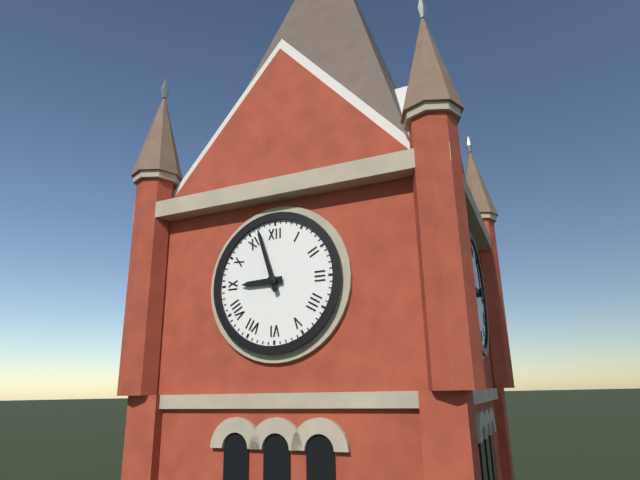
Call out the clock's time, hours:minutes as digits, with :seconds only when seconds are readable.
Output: 8:57
